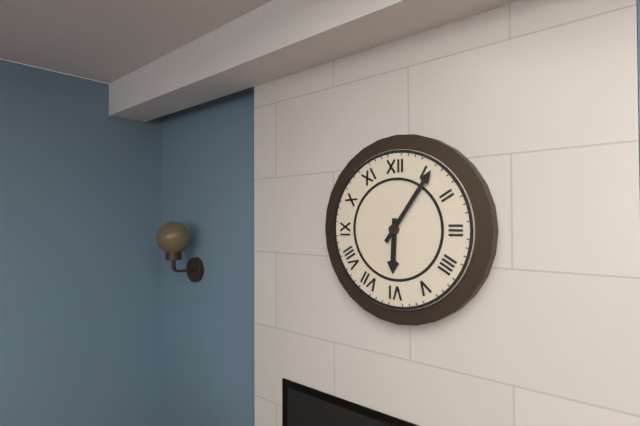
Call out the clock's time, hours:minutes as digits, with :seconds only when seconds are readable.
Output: 6:06
